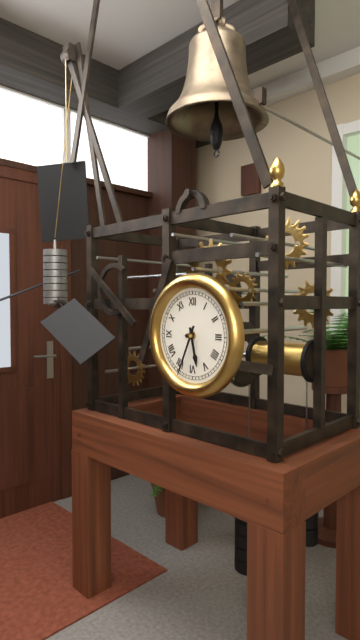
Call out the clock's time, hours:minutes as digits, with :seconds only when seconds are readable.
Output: 5:34
